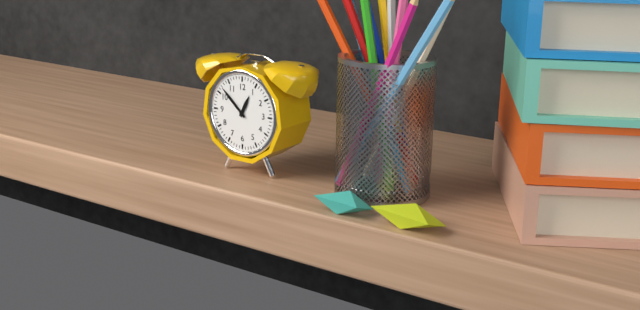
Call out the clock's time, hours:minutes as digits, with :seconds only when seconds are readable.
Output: 12:52
